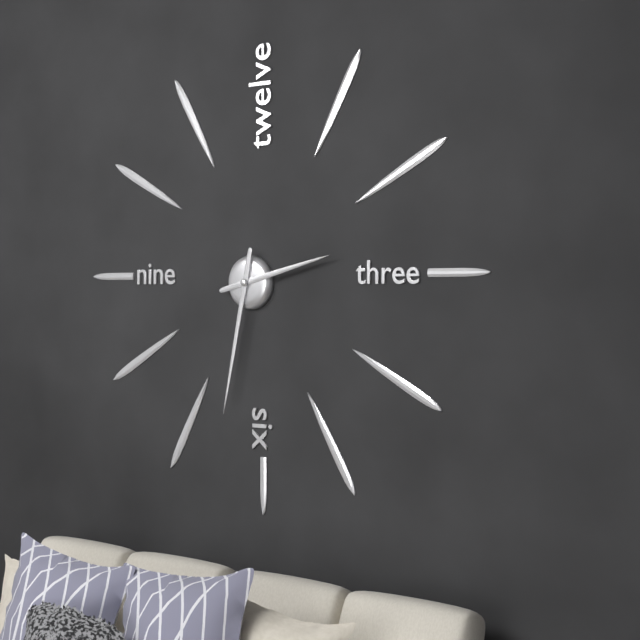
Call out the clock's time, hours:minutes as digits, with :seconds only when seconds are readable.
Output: 2:32
